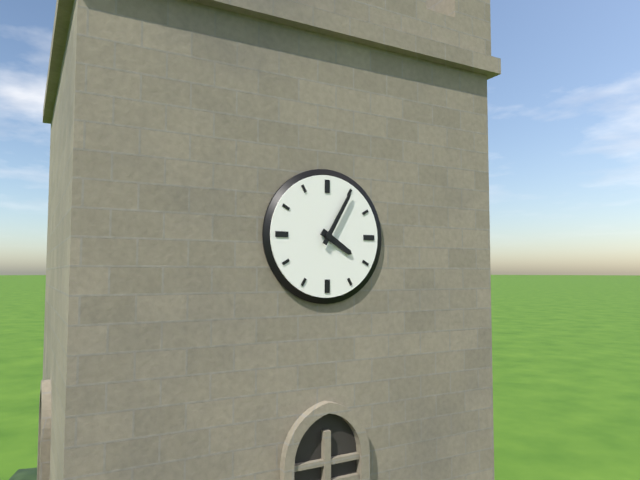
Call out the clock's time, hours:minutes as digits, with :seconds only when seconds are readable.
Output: 4:05
